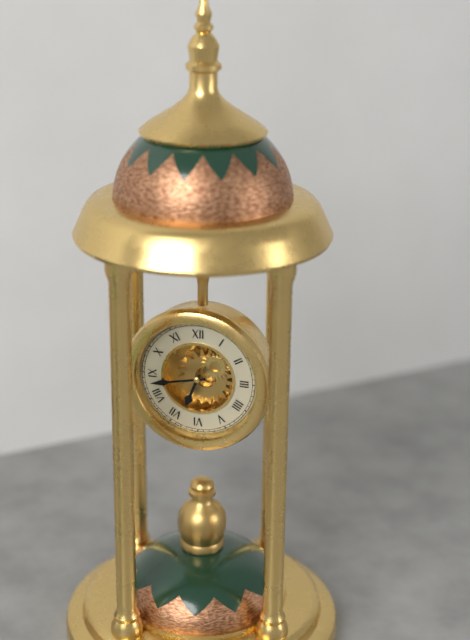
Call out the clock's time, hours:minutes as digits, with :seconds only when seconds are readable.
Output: 6:43
